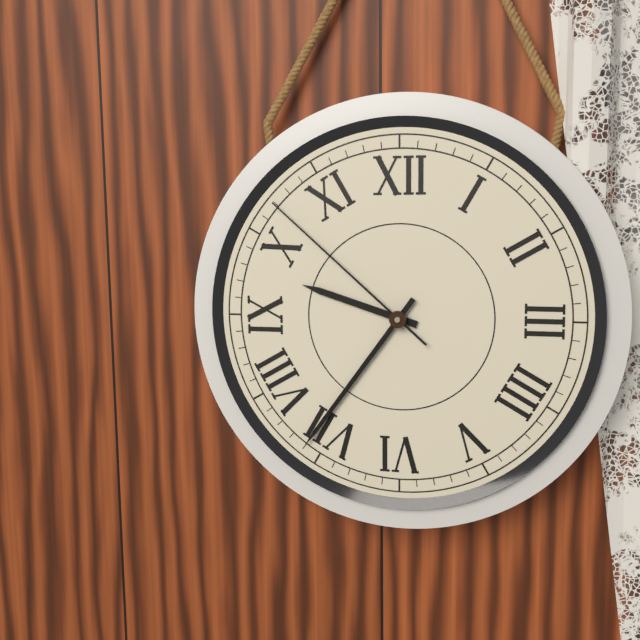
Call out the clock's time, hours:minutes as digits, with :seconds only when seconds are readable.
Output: 9:36:52
